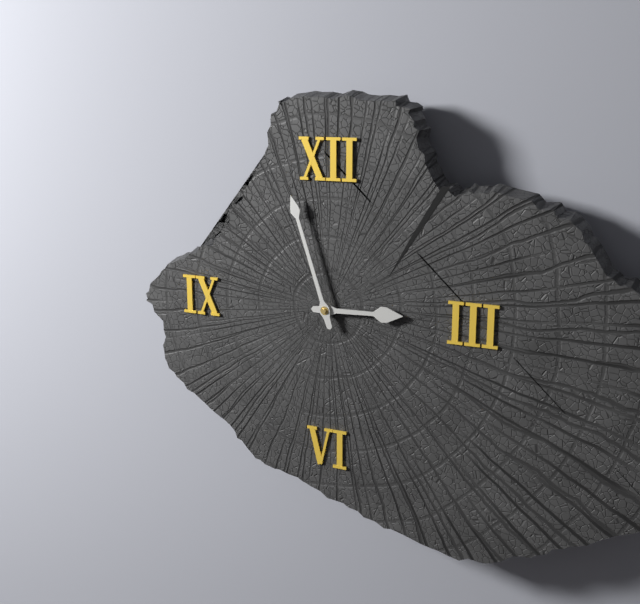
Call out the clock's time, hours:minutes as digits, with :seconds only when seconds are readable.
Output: 2:57
